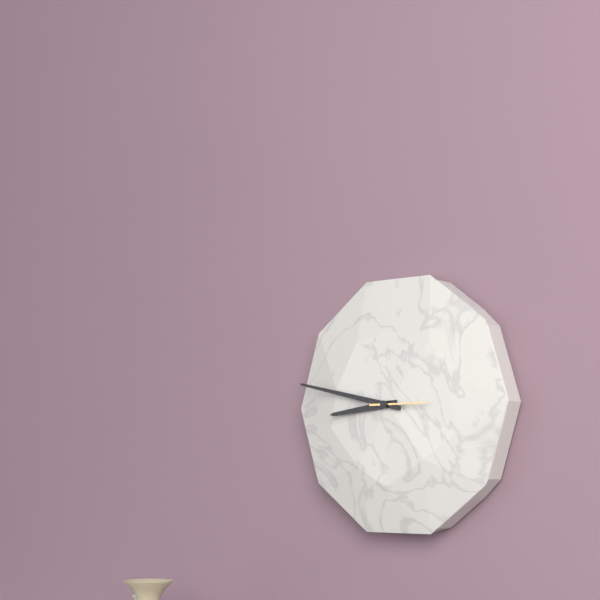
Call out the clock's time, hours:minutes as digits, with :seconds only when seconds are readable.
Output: 8:47:15
